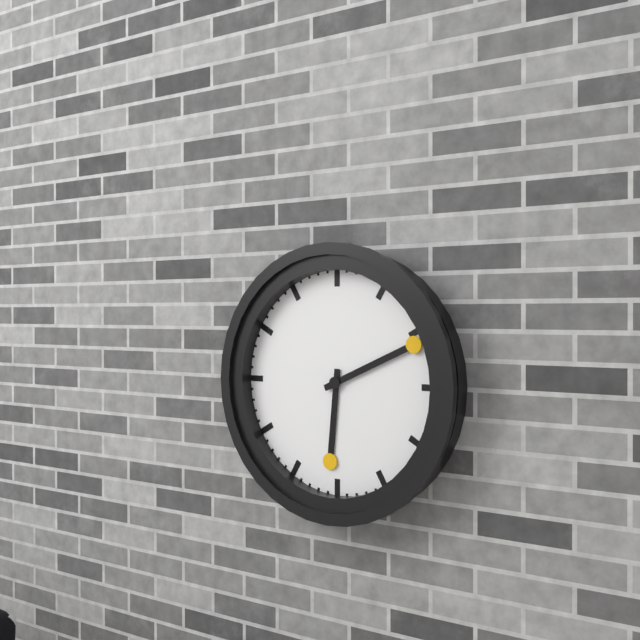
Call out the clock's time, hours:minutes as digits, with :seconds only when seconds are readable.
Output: 6:11
